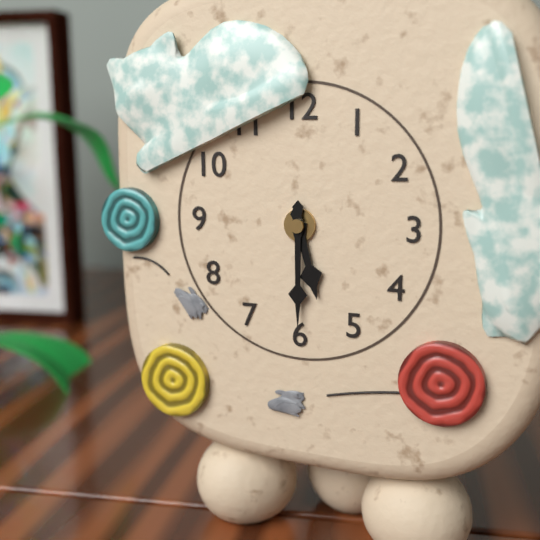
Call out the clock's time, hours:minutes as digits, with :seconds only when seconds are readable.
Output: 5:30
